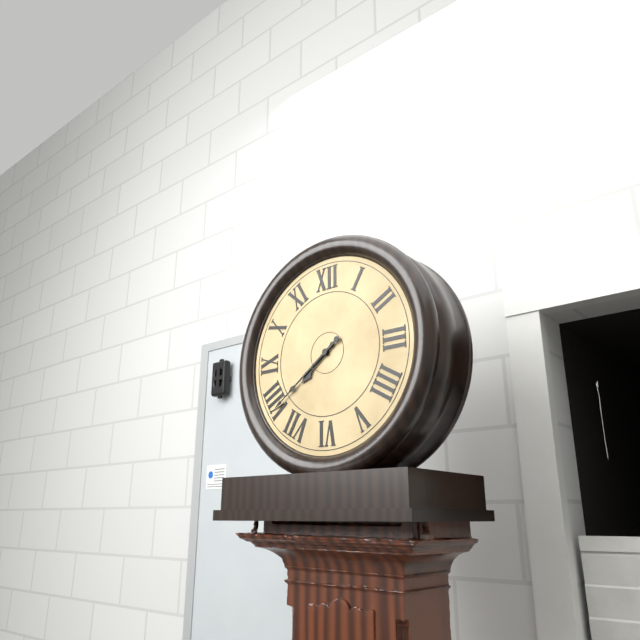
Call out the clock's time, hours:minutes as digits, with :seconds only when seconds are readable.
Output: 7:39
